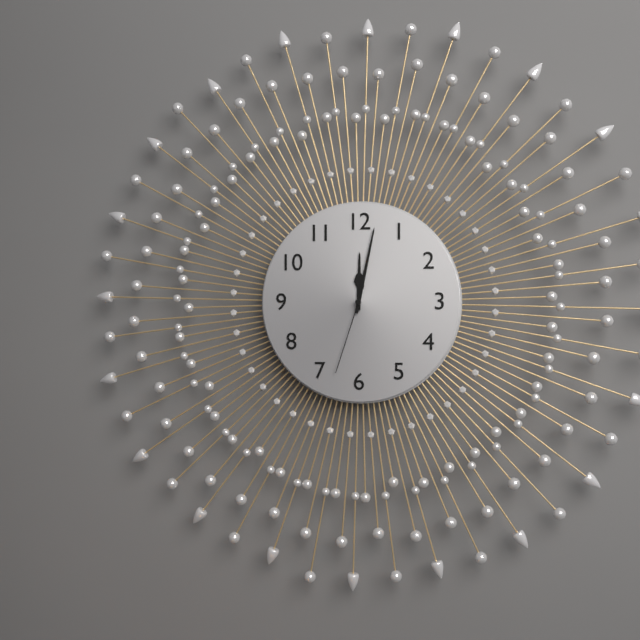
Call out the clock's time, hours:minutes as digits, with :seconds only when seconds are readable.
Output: 12:02:33
